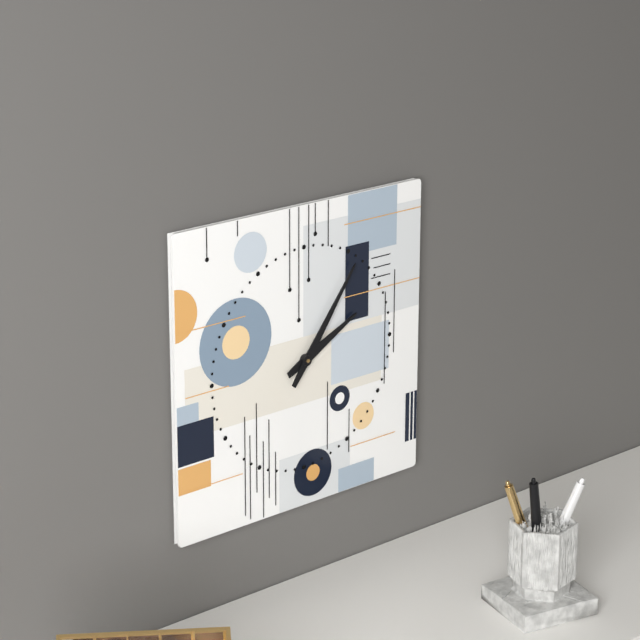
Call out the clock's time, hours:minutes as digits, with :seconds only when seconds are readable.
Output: 2:06
